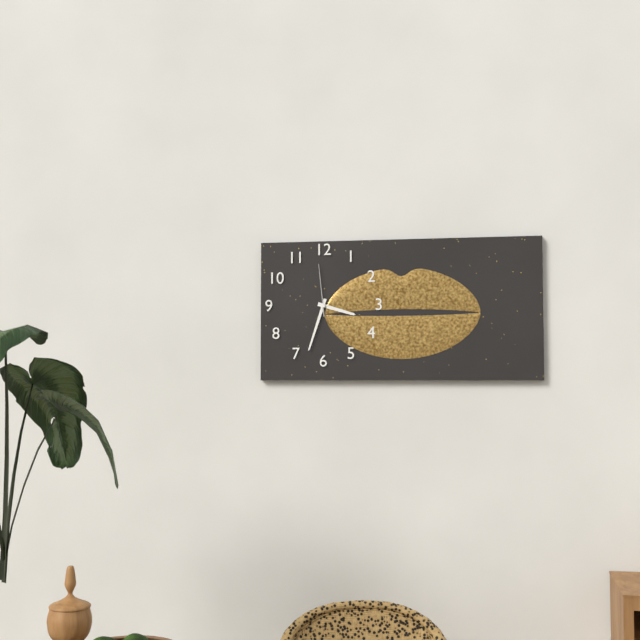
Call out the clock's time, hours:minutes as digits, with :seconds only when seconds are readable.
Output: 3:33:59
